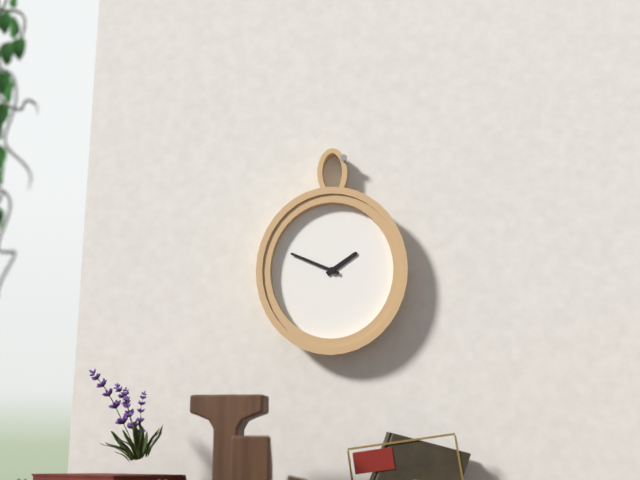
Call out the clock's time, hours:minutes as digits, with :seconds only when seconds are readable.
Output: 1:49
